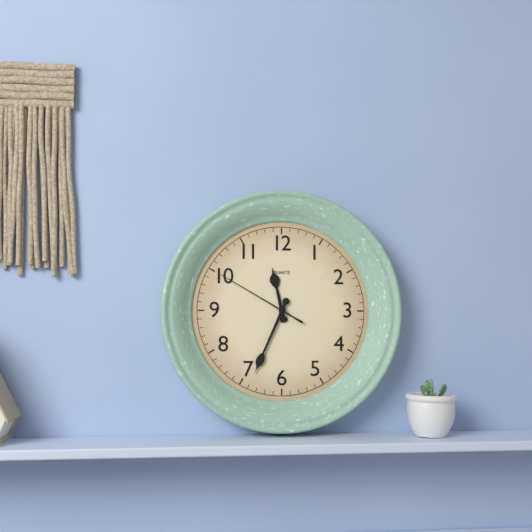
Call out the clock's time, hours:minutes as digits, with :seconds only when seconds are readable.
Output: 11:34:50
